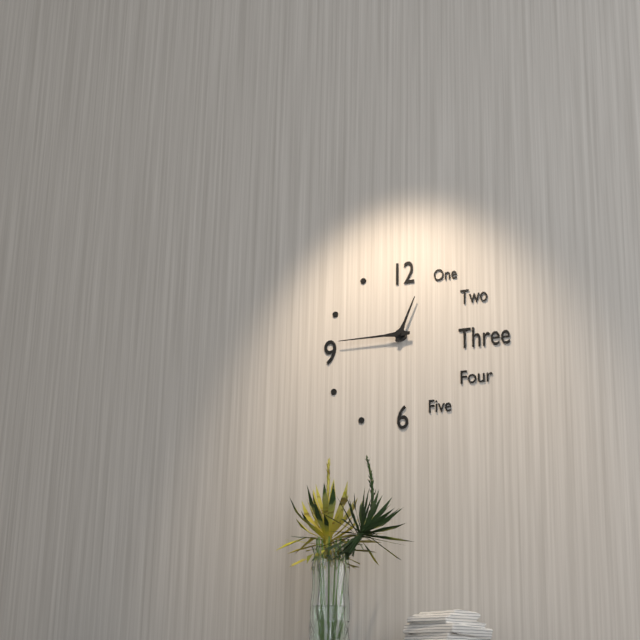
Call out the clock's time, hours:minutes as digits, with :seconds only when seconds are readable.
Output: 12:45
